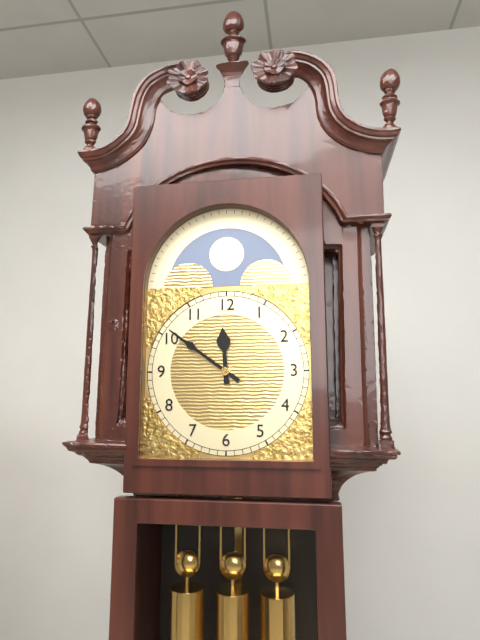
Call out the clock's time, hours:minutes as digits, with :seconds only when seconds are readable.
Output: 11:51
